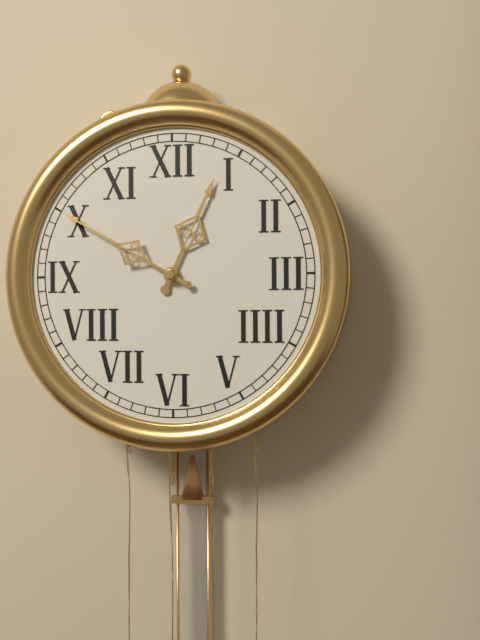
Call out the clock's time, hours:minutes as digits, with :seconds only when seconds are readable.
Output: 12:50
